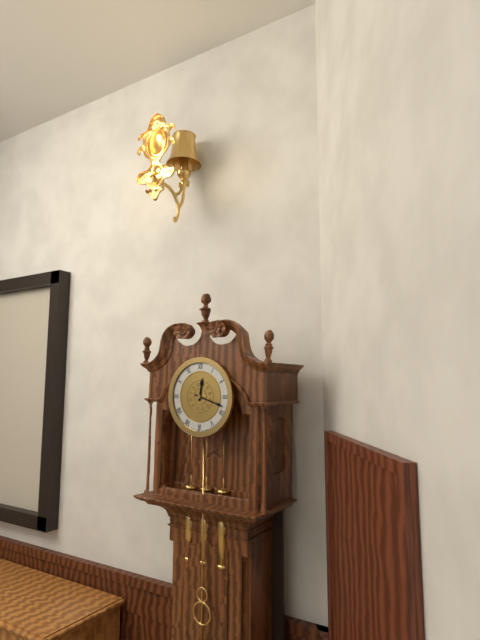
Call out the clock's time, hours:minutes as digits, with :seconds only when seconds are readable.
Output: 12:18
